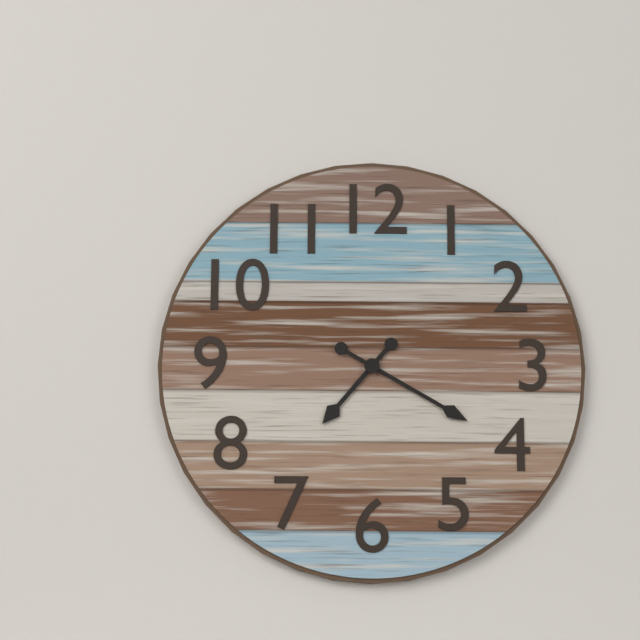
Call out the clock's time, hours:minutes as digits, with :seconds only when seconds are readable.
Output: 7:20
